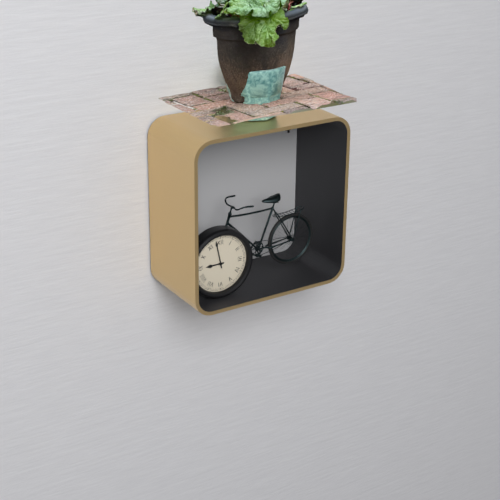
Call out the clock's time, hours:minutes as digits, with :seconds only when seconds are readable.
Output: 8:58
